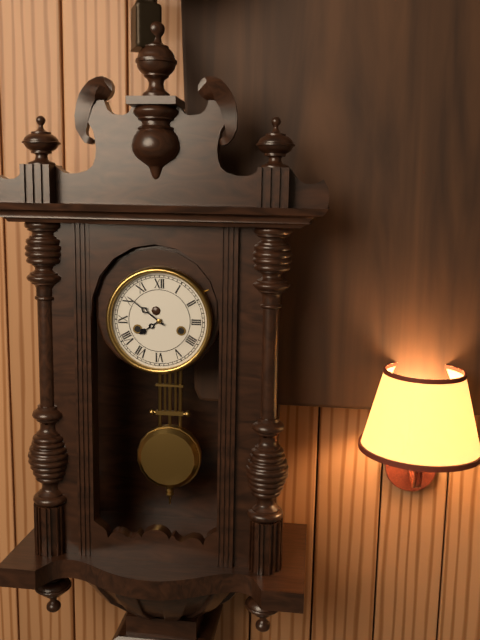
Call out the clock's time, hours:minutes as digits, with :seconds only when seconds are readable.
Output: 7:51
